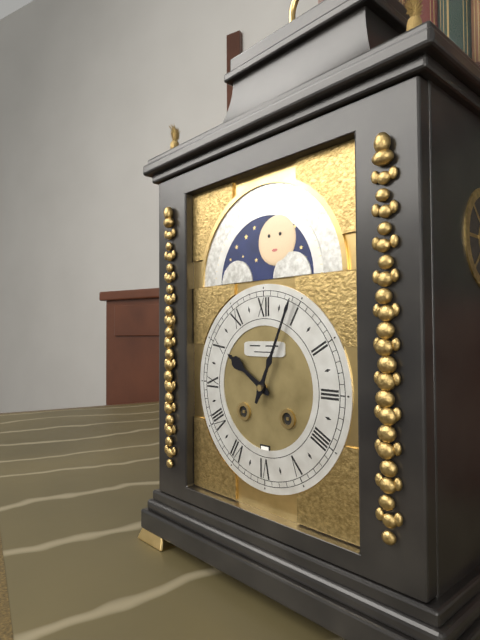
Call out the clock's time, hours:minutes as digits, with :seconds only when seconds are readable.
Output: 10:04
